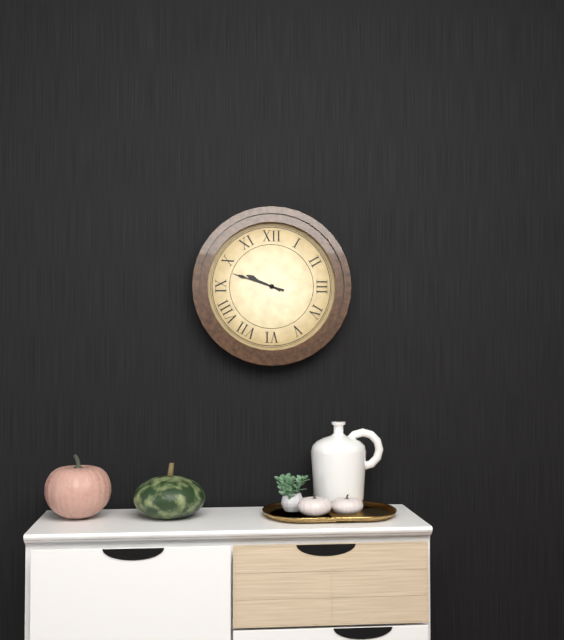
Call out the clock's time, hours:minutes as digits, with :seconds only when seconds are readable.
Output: 9:48
